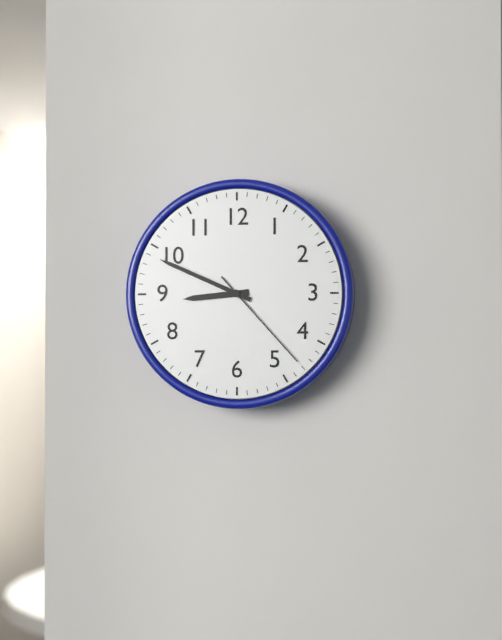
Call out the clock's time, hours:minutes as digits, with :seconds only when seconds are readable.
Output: 8:49:23
